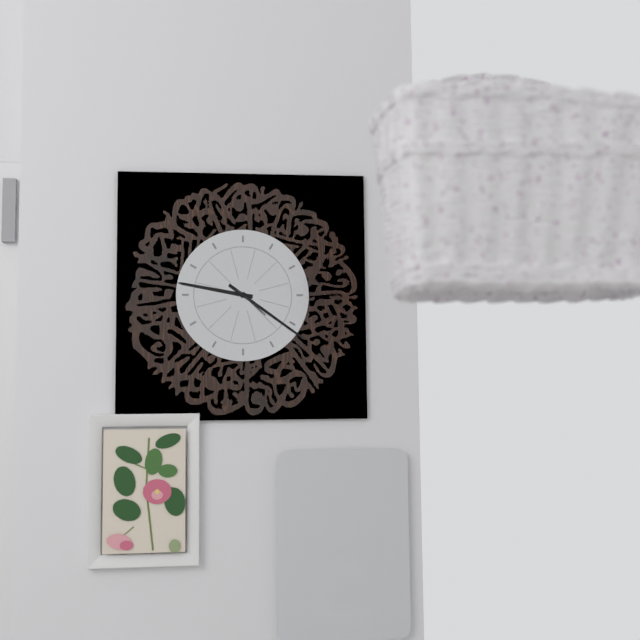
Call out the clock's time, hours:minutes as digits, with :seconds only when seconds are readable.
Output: 9:21
